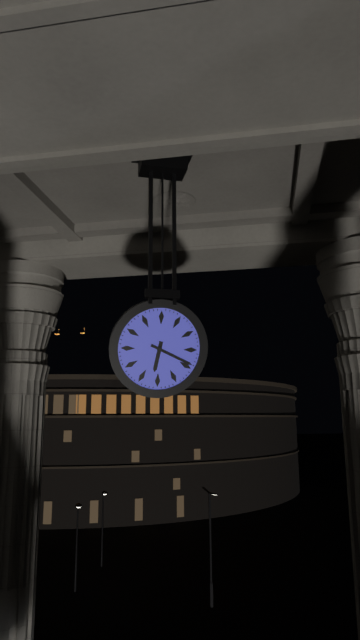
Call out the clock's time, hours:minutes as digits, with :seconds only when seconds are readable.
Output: 6:19
